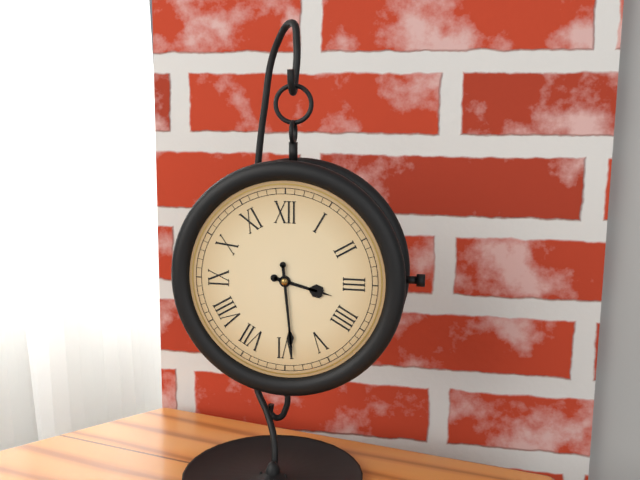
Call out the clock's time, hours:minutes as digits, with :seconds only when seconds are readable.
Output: 3:29
